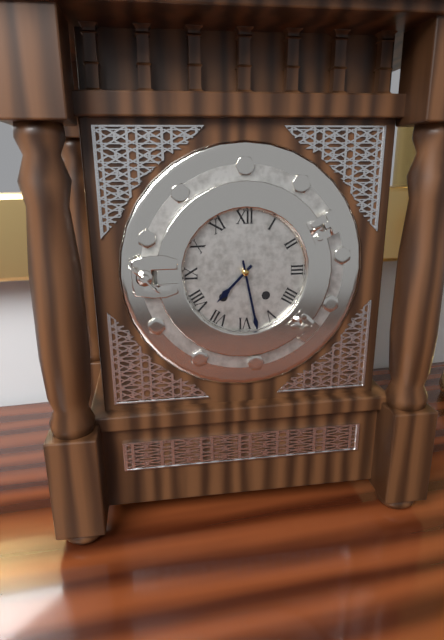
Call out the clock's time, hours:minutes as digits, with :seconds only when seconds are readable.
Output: 7:28
